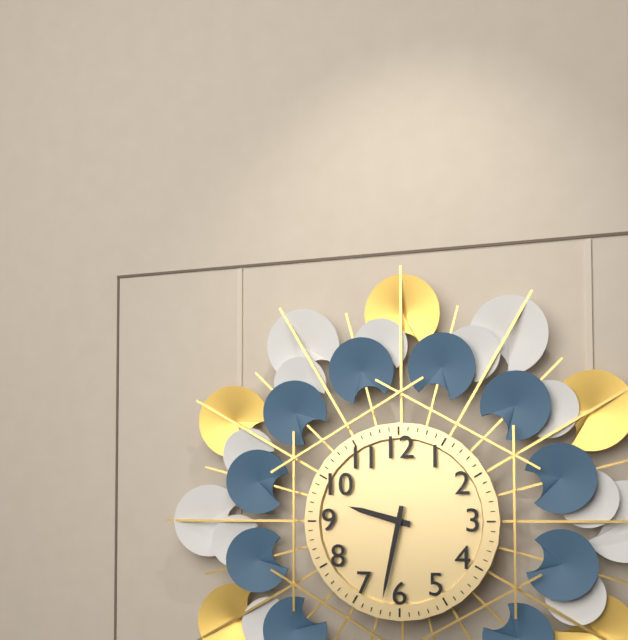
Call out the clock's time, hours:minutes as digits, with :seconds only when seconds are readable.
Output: 9:32
